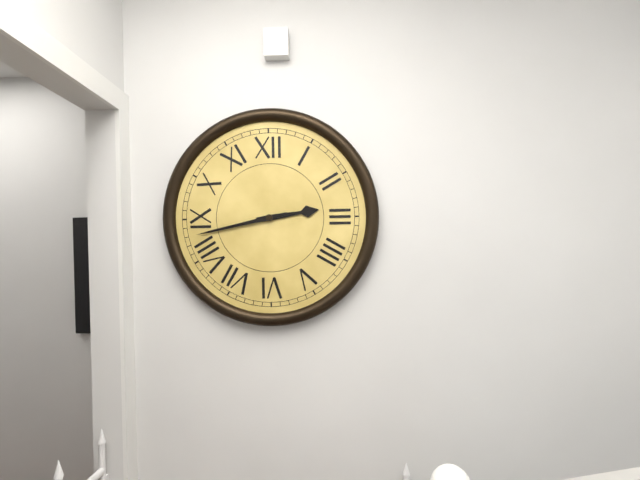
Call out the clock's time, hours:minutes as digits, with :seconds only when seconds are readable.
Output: 2:43
